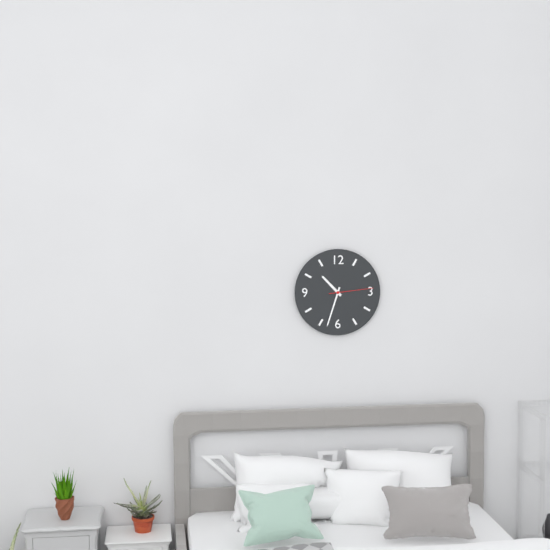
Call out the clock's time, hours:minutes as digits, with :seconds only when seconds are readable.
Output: 10:33
